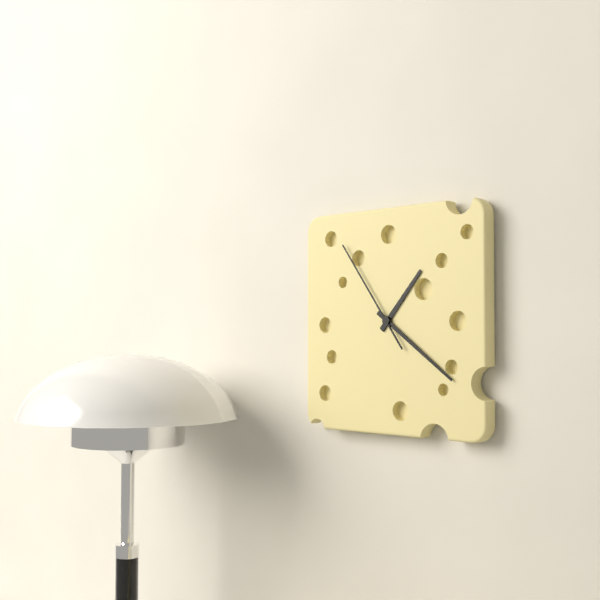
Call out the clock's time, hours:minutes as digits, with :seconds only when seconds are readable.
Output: 1:21:54
